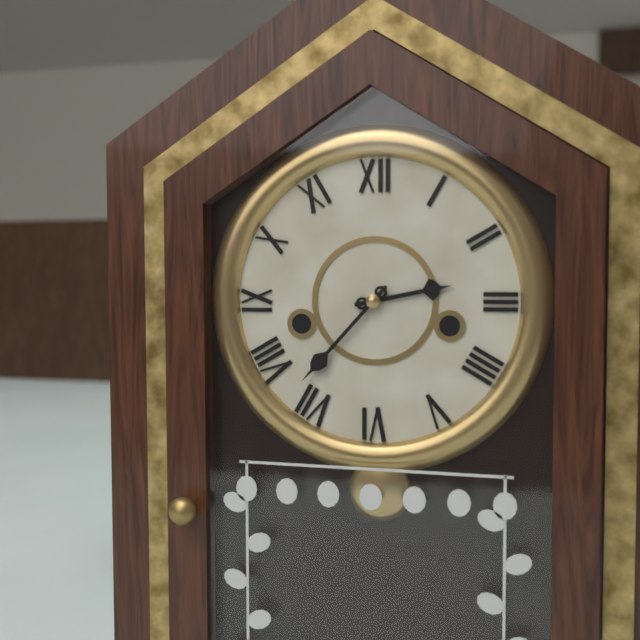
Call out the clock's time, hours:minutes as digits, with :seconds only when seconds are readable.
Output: 2:37
